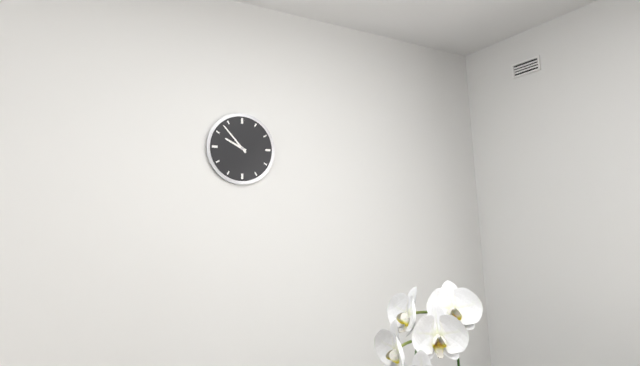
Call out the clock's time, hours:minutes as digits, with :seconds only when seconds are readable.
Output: 9:53
